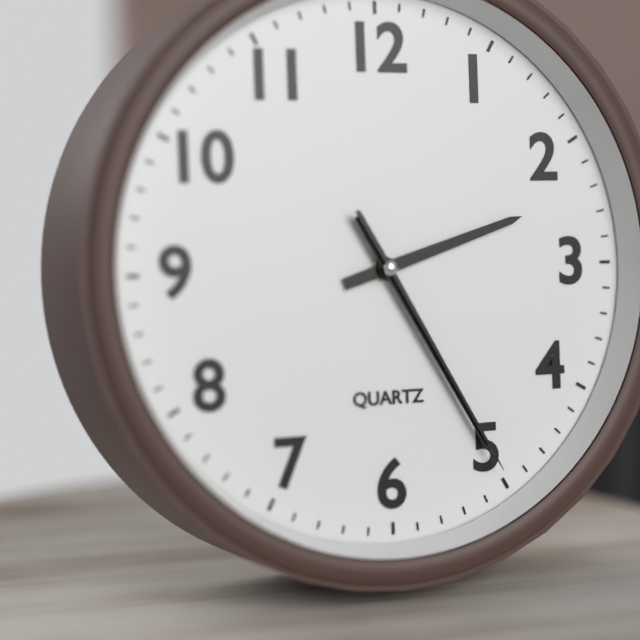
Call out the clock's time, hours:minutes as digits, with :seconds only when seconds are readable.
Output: 2:25:25
